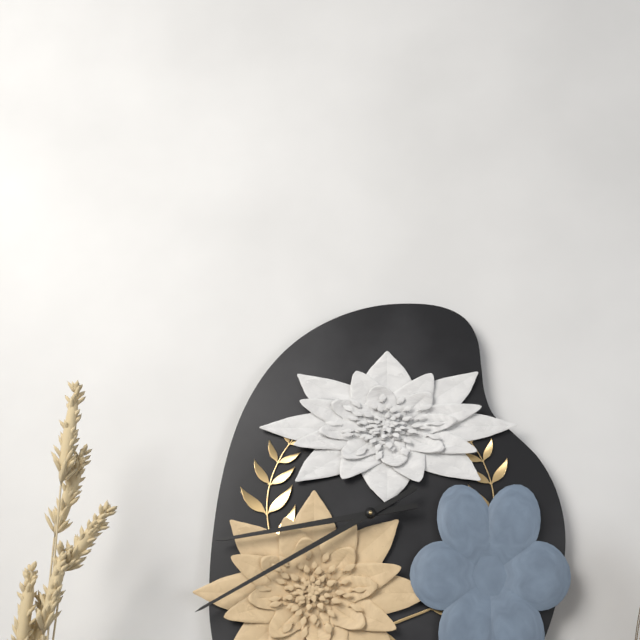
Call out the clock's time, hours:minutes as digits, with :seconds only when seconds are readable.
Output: 8:40
